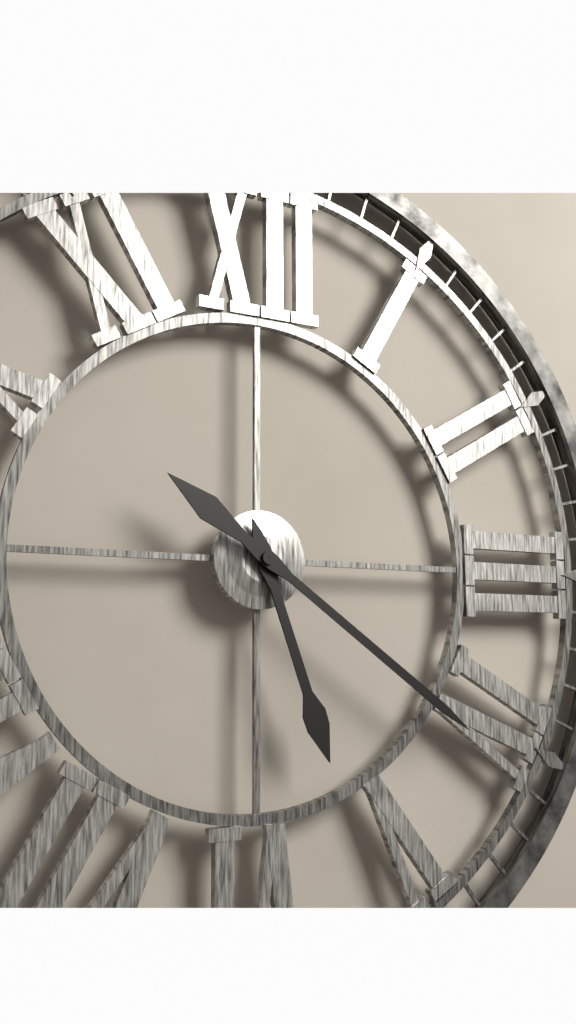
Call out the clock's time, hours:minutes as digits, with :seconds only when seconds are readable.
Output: 5:21
